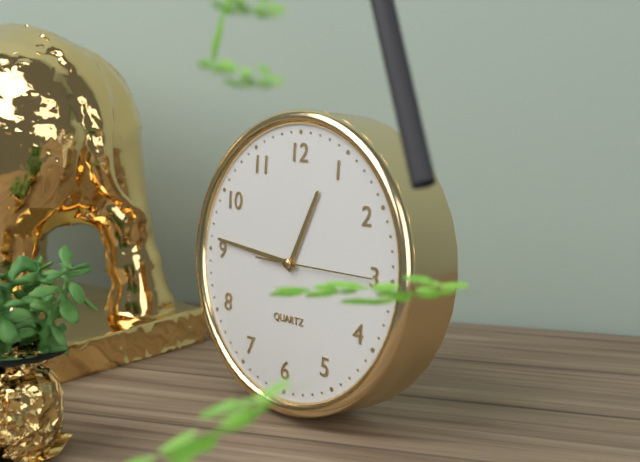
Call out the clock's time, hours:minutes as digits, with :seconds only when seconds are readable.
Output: 12:46:15
